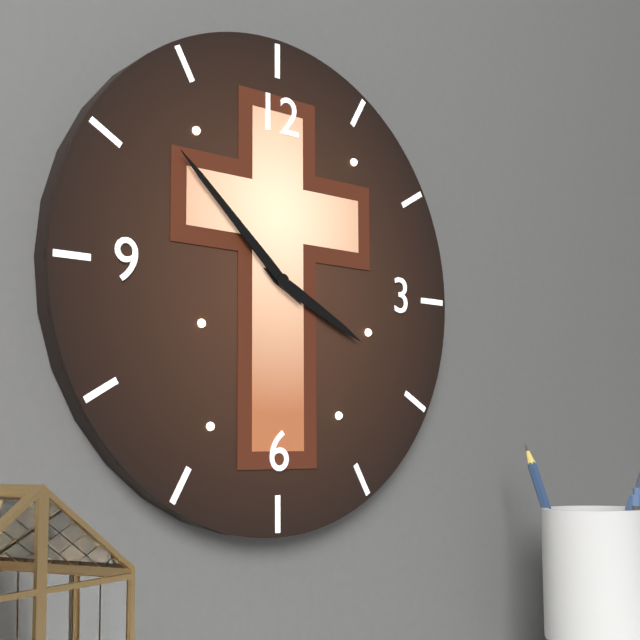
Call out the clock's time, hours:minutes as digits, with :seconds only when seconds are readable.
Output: 3:52
